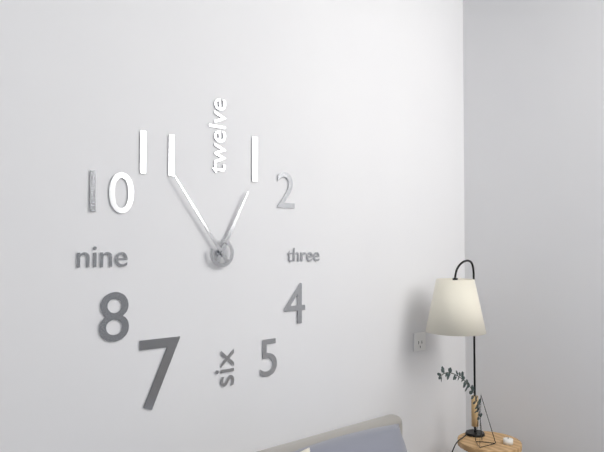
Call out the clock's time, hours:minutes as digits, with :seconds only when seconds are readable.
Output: 12:54
